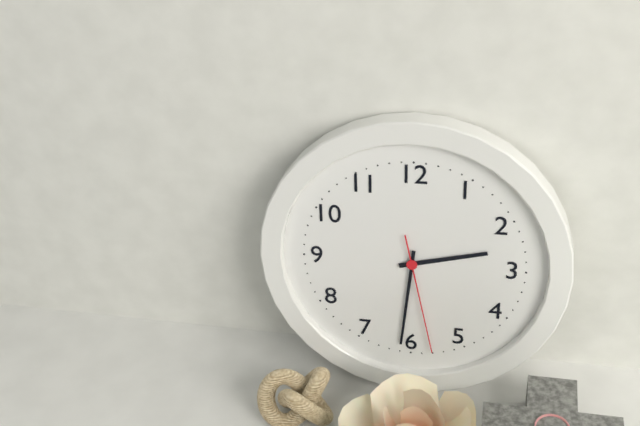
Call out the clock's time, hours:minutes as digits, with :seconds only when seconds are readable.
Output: 2:31:28
